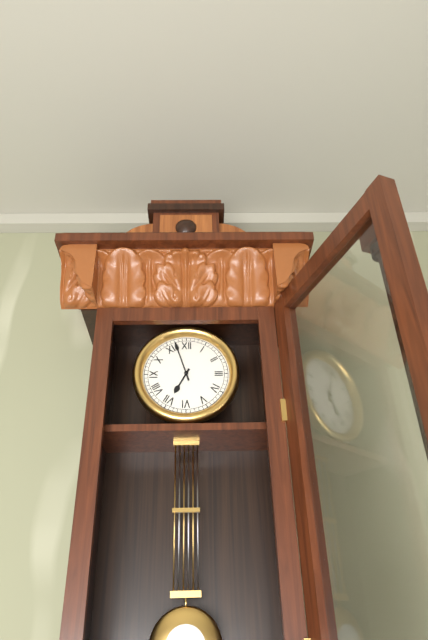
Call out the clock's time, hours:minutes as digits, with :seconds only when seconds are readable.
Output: 6:57
